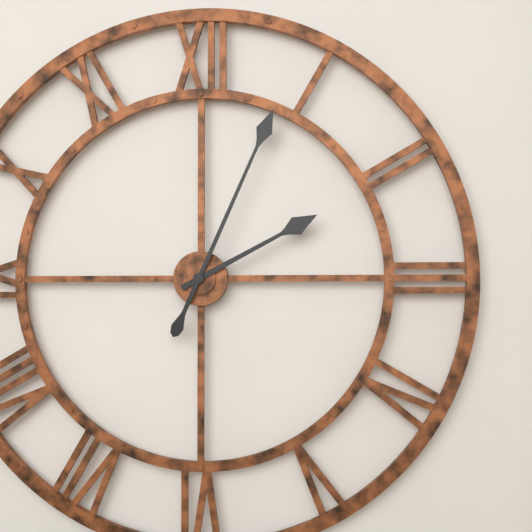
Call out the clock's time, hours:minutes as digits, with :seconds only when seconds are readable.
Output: 2:04
